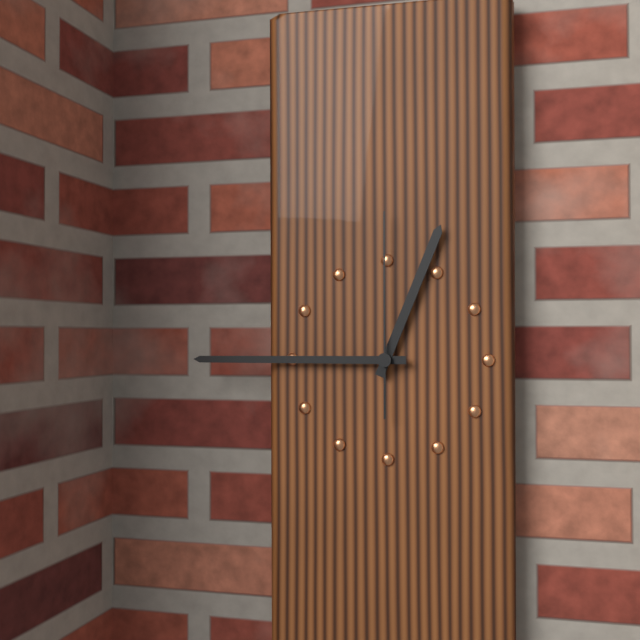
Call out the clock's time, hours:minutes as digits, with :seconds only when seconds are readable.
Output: 12:45:00
